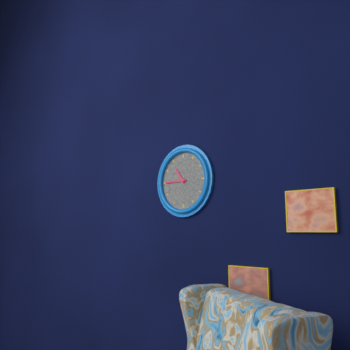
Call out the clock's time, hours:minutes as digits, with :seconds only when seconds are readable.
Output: 10:45
